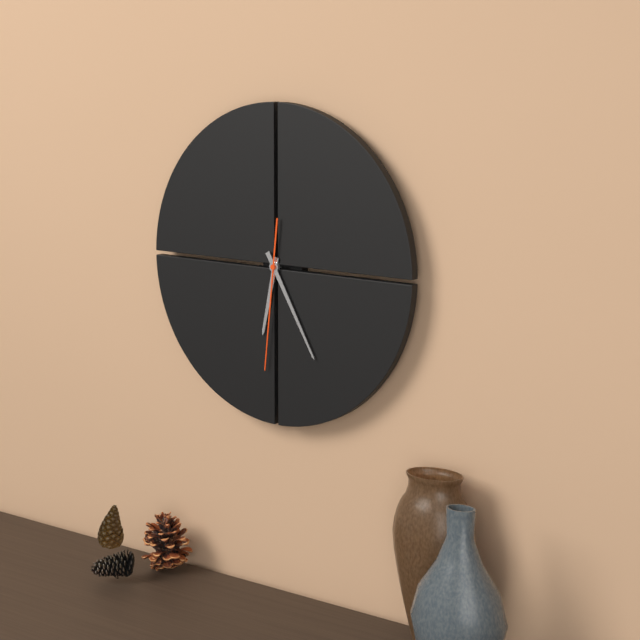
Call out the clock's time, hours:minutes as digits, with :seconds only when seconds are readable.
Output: 6:25:31
